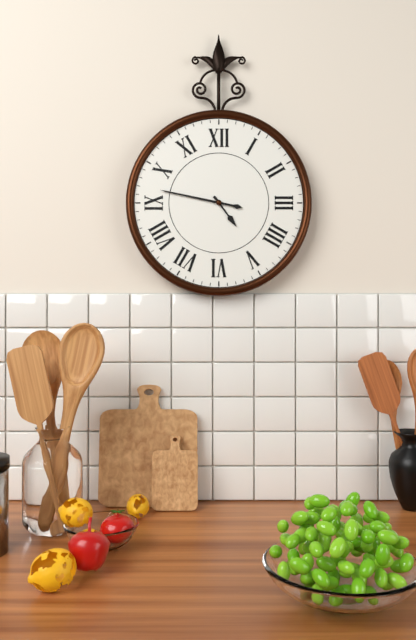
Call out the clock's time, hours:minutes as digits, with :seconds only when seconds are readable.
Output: 4:47
